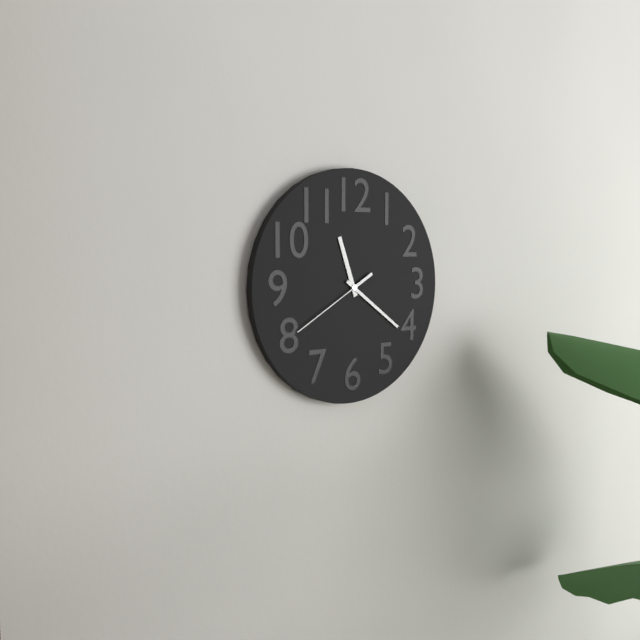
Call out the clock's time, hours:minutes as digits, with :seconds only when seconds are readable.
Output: 11:21:40
